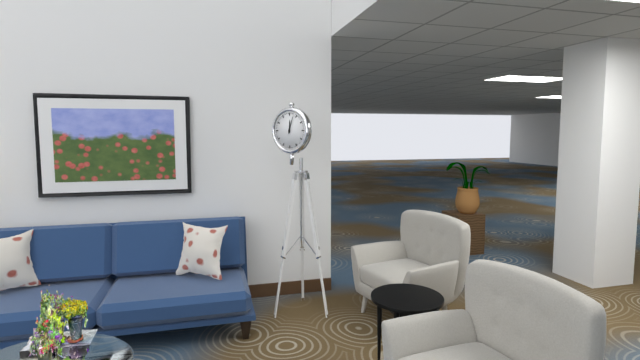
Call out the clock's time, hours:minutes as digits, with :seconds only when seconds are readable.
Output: 12:03
